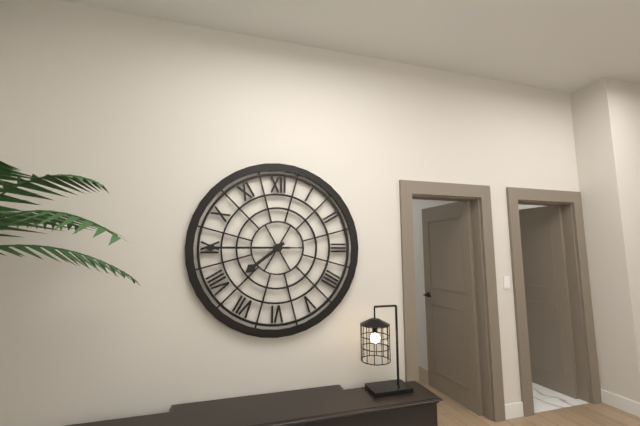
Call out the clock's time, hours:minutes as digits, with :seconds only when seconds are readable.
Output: 7:45
